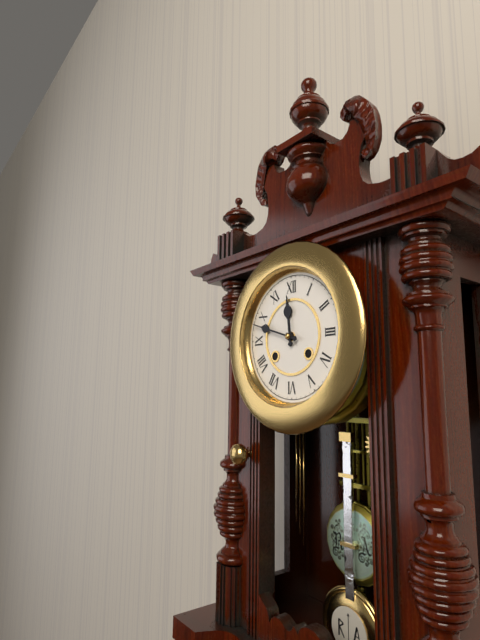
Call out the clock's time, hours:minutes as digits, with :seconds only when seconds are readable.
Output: 11:48
